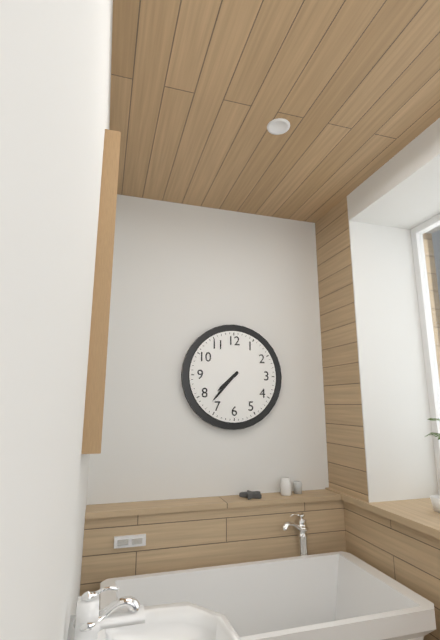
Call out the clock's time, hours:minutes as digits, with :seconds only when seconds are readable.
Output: 7:37
